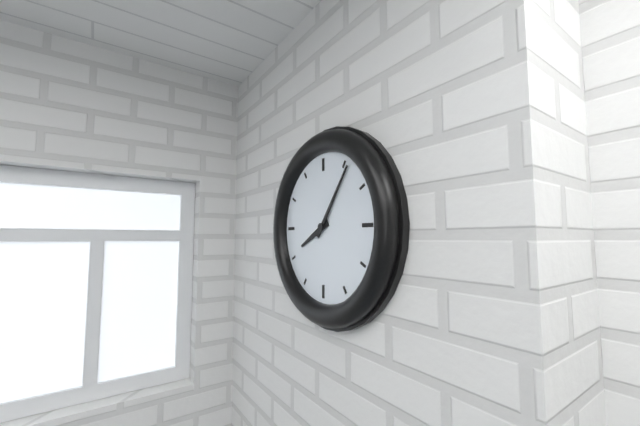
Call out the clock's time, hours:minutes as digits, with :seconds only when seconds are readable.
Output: 8:06
